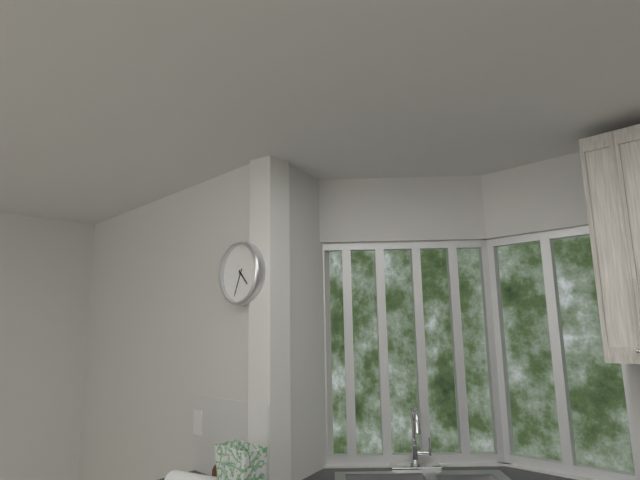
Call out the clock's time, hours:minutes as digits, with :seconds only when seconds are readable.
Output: 4:34
